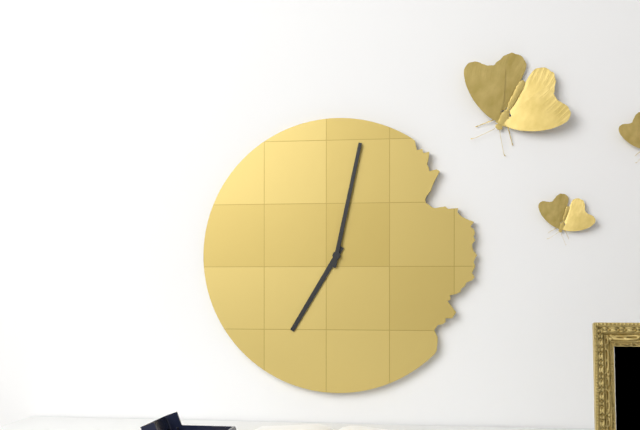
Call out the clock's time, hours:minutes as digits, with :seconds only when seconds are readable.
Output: 7:02
